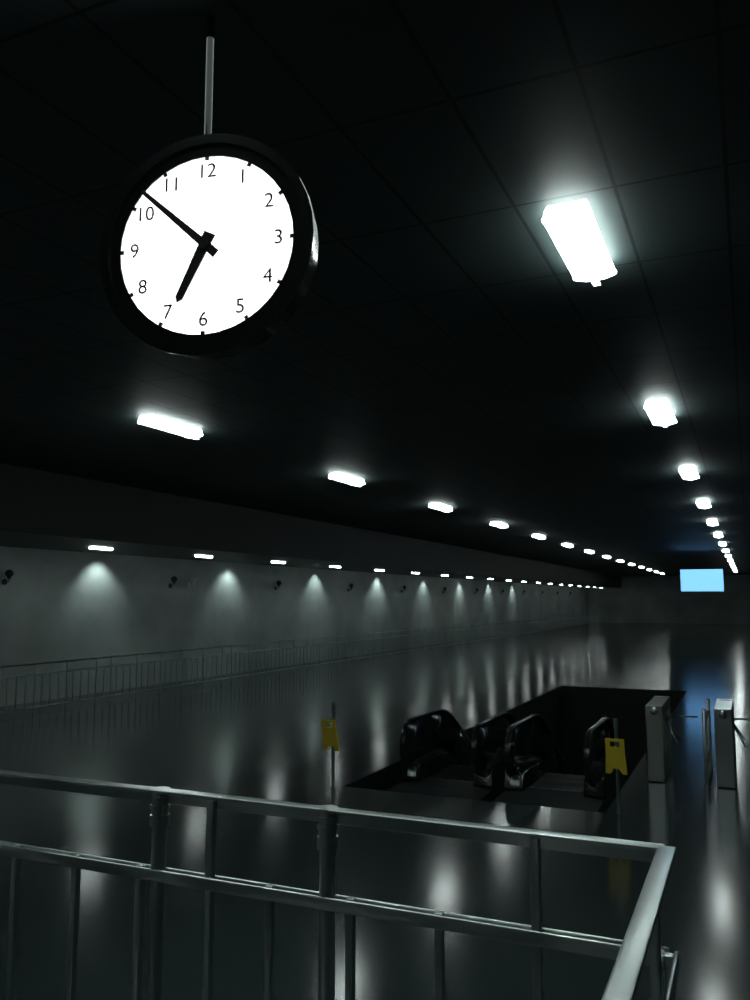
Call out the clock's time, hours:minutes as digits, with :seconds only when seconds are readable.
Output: 6:52
